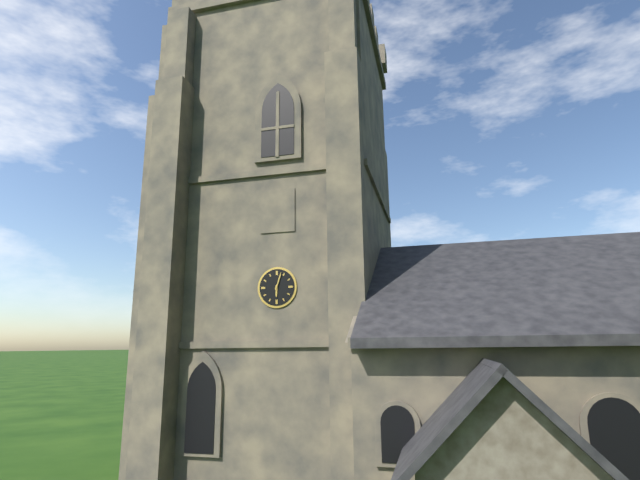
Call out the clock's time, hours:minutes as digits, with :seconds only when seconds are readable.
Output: 6:03
